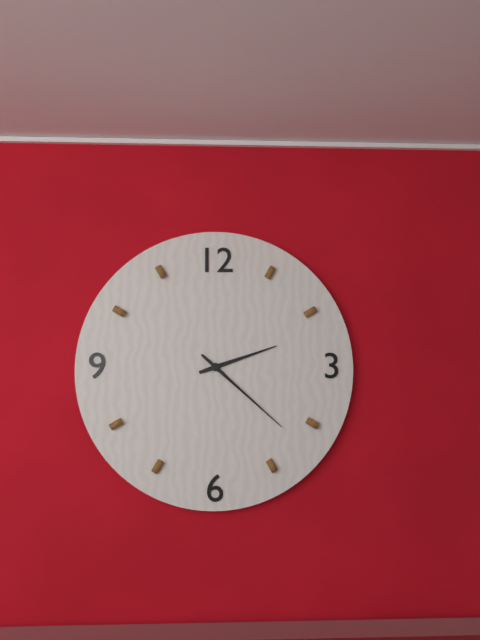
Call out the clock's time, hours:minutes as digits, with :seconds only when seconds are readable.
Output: 2:22
